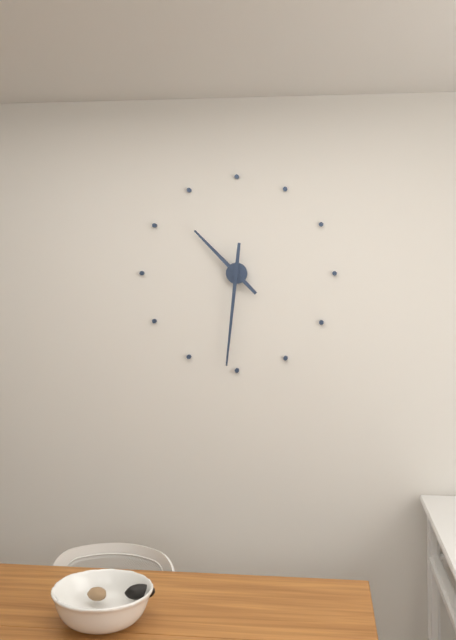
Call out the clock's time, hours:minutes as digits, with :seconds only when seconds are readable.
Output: 10:31
